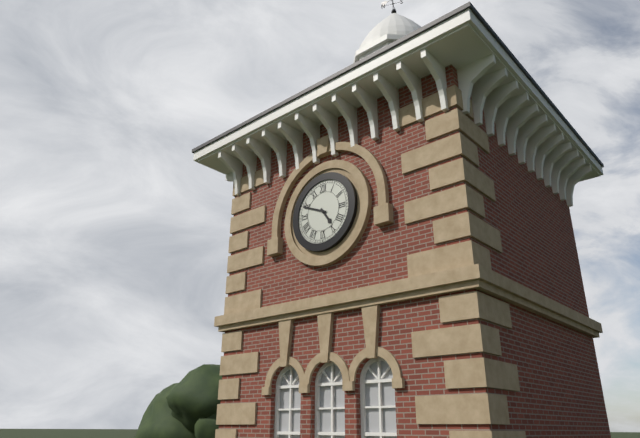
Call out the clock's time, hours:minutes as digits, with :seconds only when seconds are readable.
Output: 4:49
